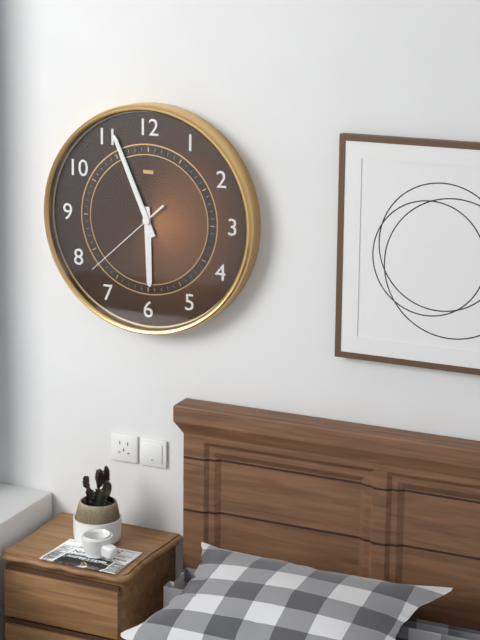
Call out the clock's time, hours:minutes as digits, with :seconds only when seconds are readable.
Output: 5:56:38
